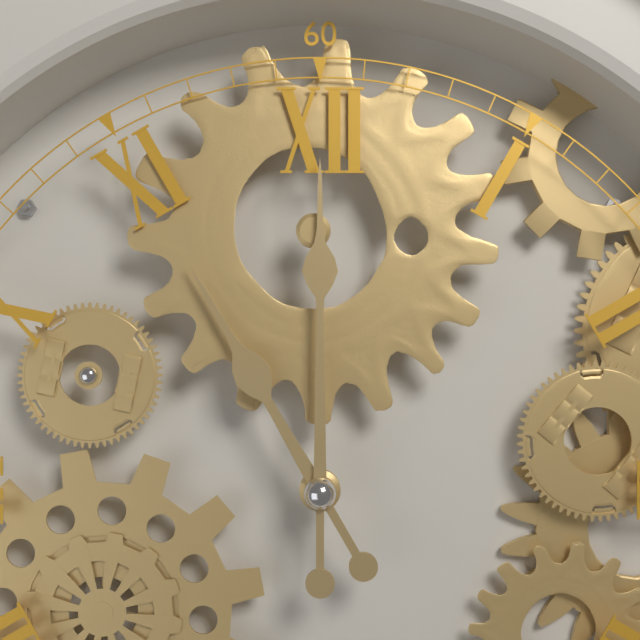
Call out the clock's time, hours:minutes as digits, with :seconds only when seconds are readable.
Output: 11:00
